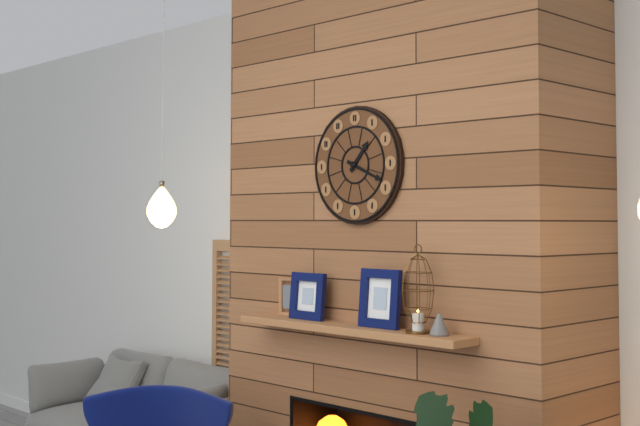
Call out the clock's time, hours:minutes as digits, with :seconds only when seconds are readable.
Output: 1:19
